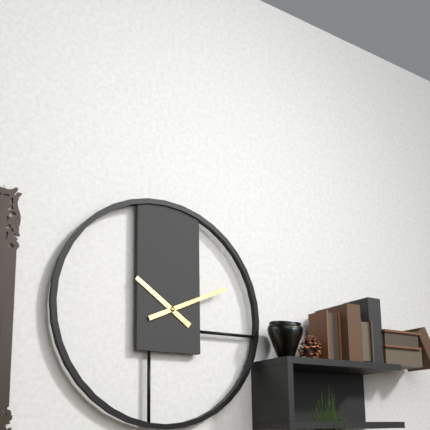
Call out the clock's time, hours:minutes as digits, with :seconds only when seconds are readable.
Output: 10:11
